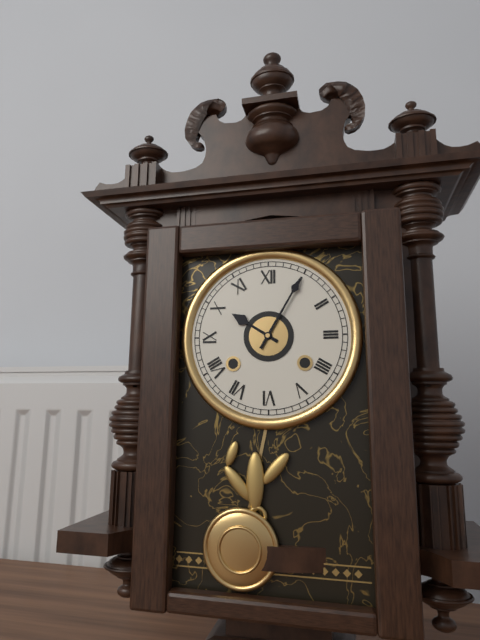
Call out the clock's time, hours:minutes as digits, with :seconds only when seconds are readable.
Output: 10:05
